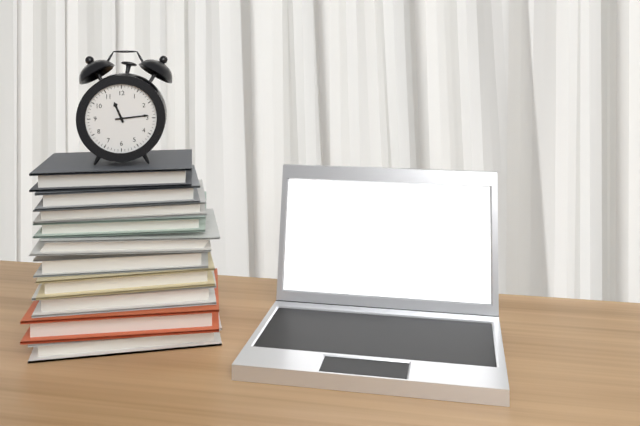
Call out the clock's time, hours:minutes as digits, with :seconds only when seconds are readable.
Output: 11:14
